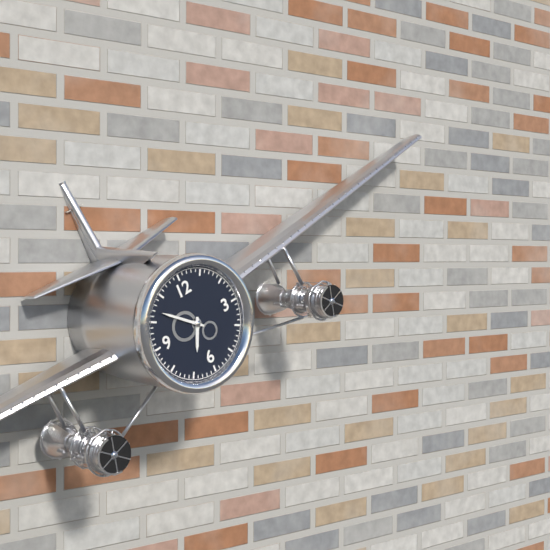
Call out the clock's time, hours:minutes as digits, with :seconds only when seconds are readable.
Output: 6:52
